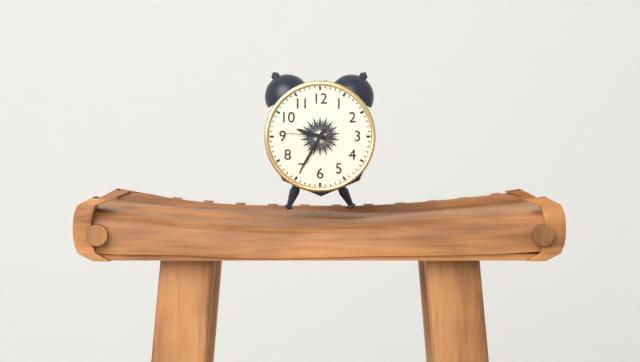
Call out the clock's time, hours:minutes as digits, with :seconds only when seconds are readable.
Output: 9:35:46
